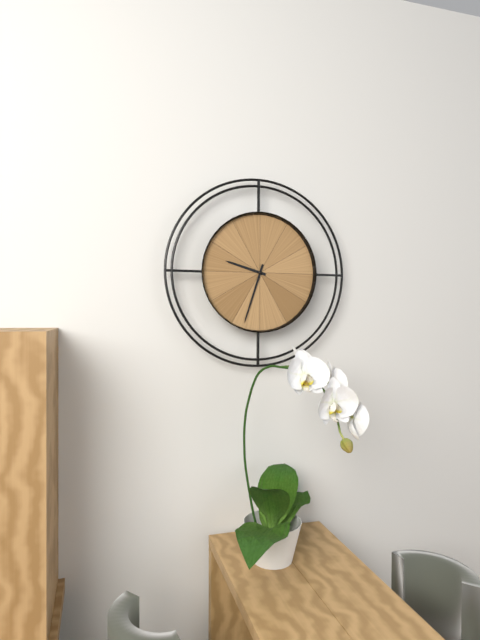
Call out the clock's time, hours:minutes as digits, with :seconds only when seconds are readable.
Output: 9:33
